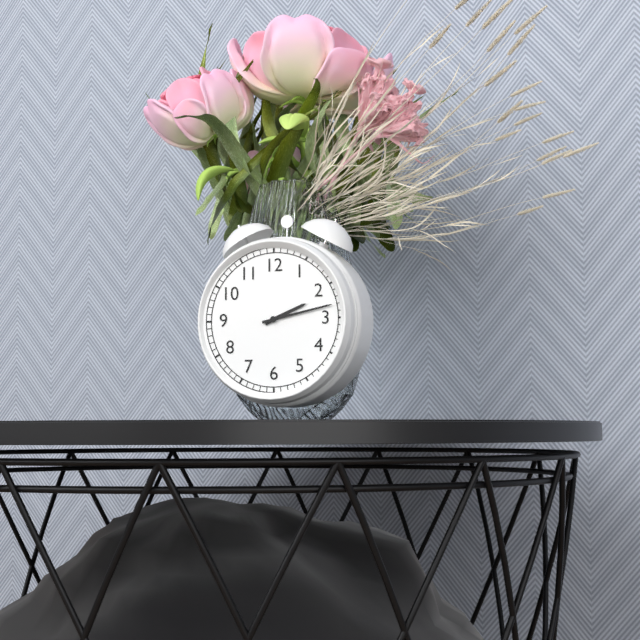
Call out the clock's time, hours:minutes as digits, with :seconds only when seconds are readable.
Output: 2:13
